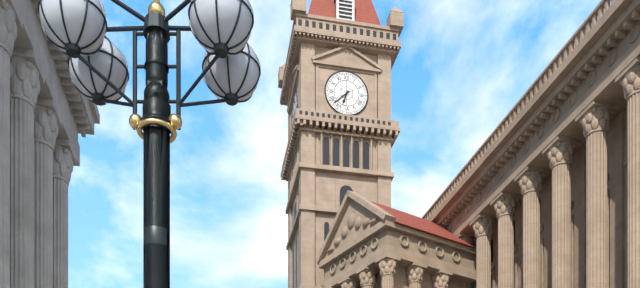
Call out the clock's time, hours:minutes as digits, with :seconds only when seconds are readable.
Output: 6:38
